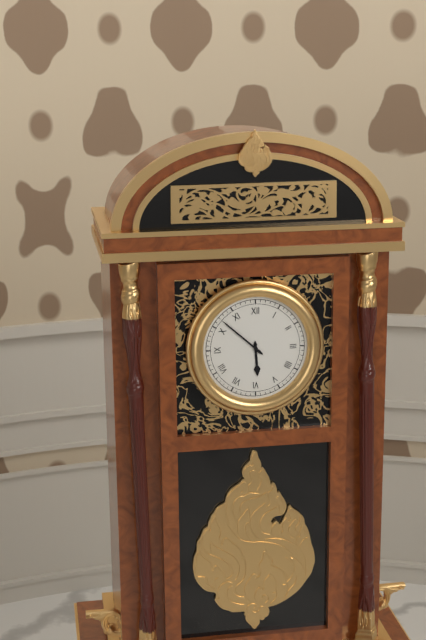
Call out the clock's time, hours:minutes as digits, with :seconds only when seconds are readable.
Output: 5:52
